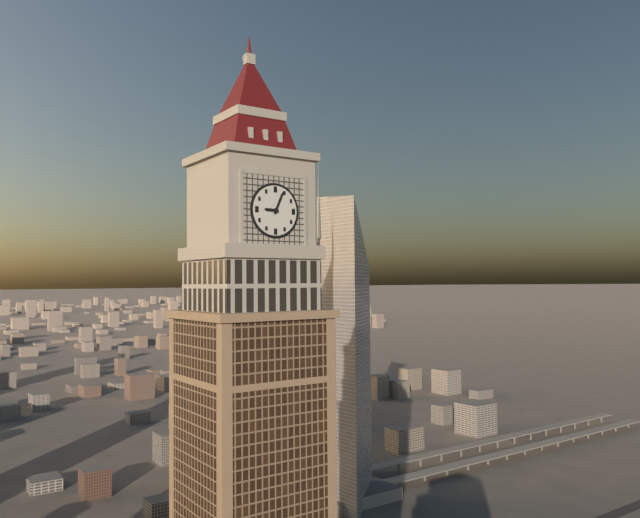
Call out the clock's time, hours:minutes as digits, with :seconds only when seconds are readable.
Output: 9:04
